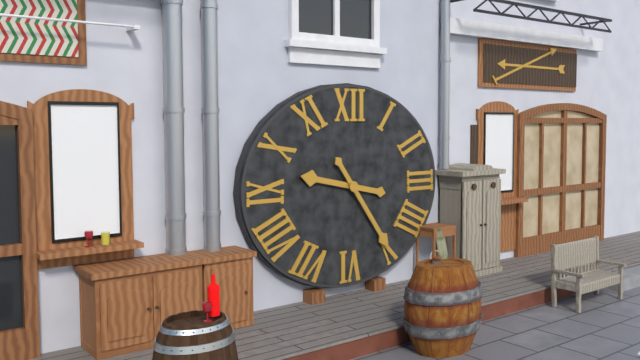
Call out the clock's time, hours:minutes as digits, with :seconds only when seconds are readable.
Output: 9:24
